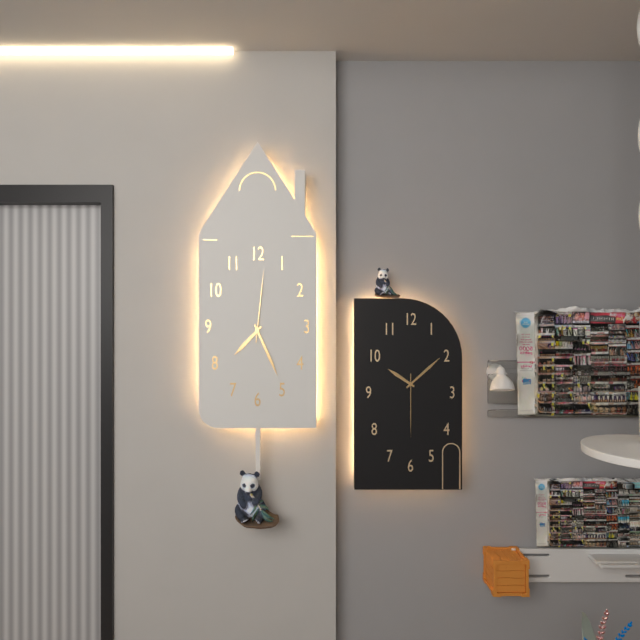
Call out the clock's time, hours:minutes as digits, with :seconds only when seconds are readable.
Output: 7:26:01
